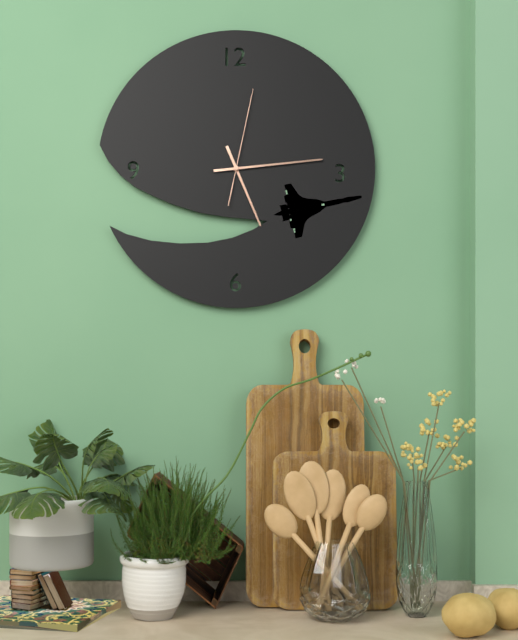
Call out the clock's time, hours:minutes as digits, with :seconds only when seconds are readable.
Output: 5:14:02
